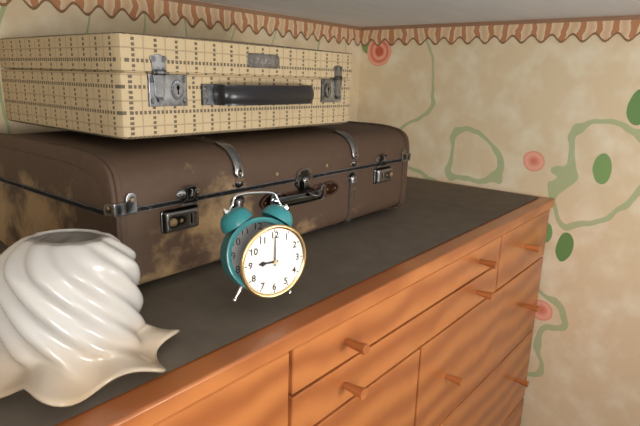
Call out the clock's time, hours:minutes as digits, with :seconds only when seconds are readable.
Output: 9:00
